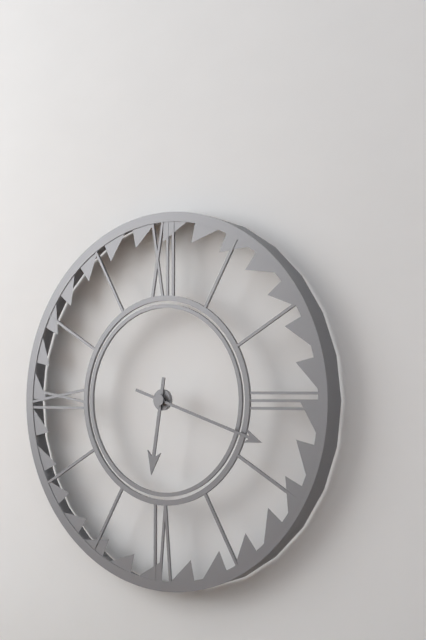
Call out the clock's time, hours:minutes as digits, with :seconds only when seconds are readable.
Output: 6:18
